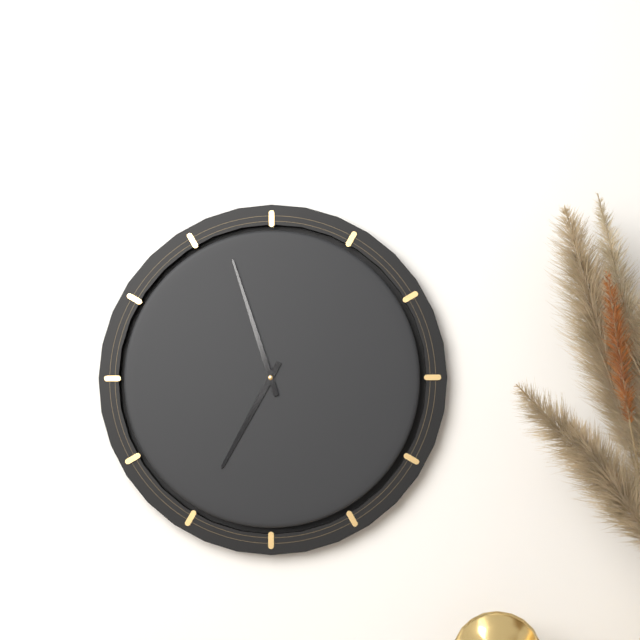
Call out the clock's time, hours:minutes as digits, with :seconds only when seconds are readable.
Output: 6:57
